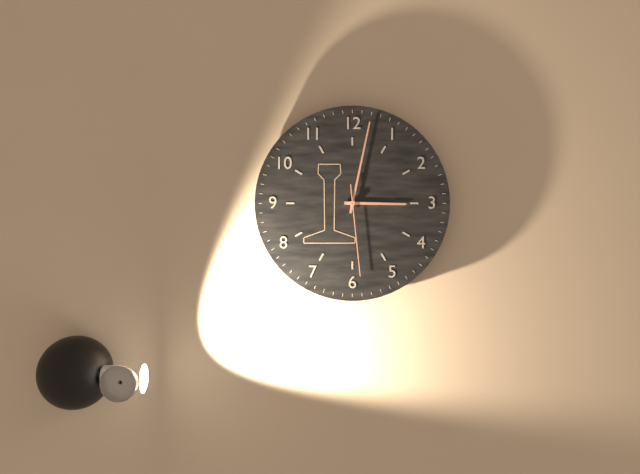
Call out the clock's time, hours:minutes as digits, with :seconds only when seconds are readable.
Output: 3:02:29
